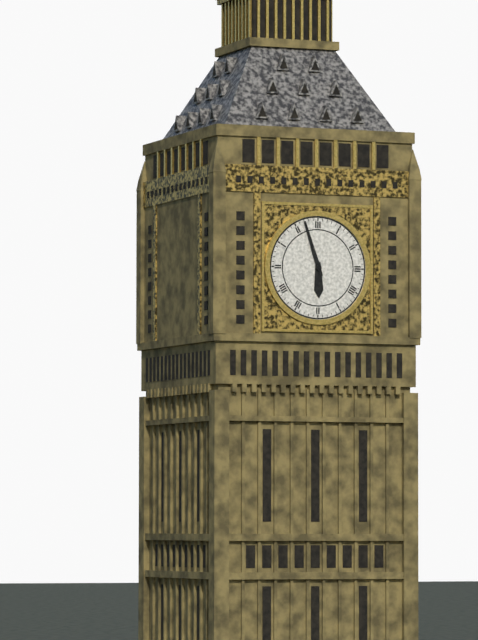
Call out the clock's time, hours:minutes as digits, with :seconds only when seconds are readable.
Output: 5:57
